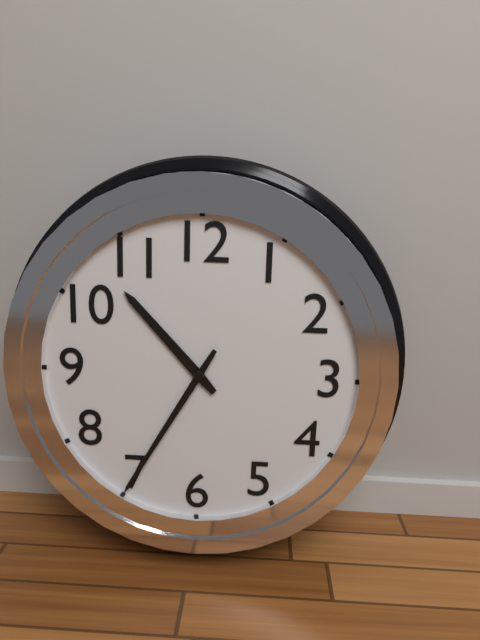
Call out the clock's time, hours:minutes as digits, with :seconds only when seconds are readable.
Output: 10:35
